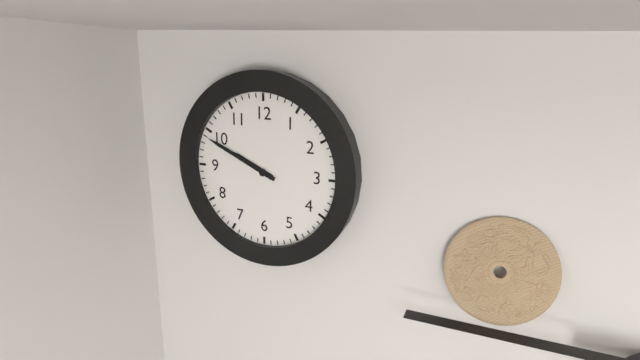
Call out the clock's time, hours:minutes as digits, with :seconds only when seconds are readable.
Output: 9:49
